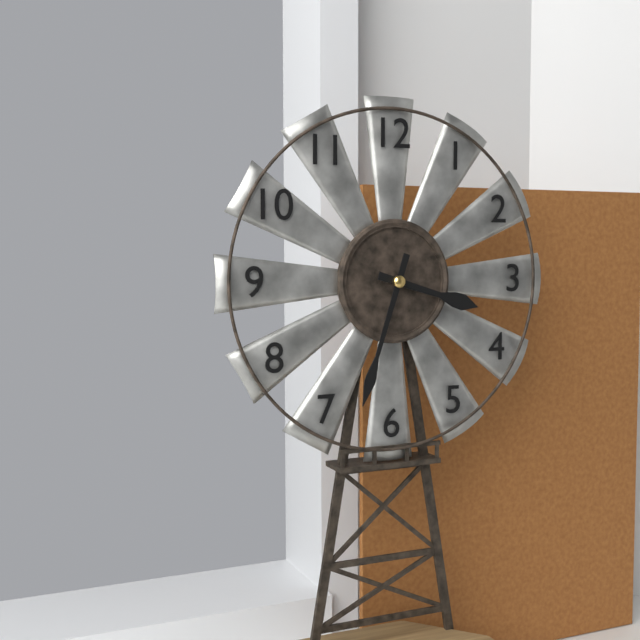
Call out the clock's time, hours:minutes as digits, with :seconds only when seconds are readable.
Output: 3:33
